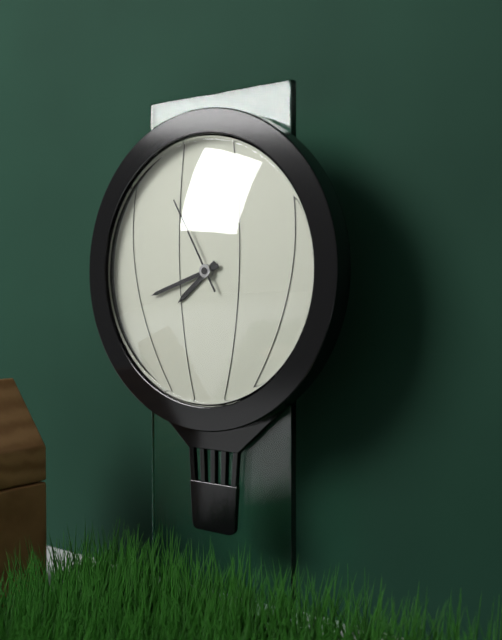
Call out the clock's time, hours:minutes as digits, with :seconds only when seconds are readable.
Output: 7:42:55
